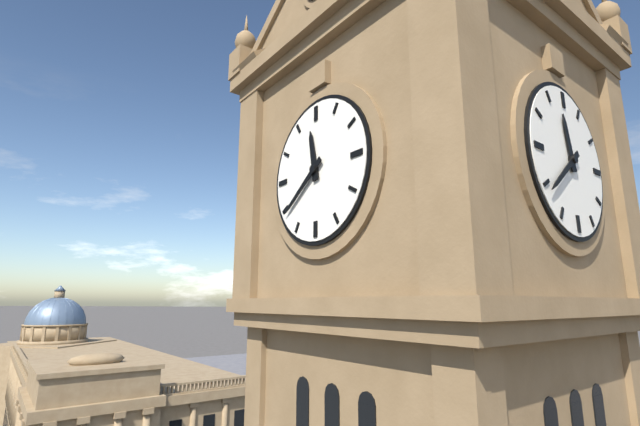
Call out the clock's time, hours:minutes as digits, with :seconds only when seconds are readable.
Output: 11:39
